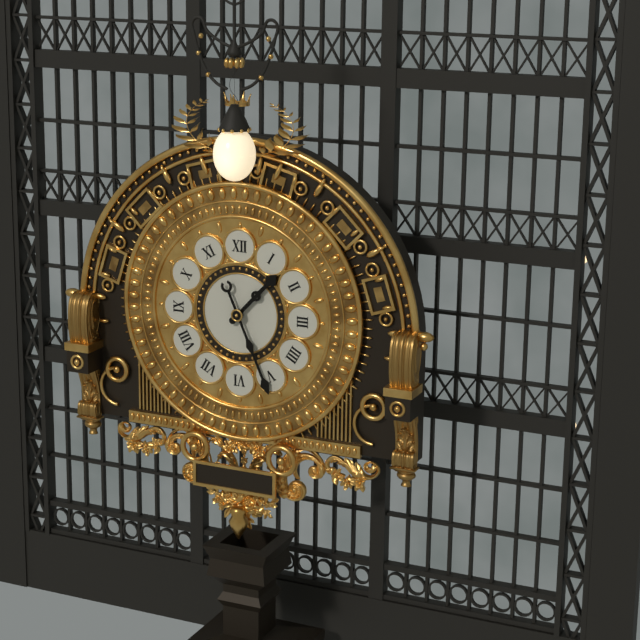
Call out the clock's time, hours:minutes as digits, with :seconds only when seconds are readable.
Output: 1:26
